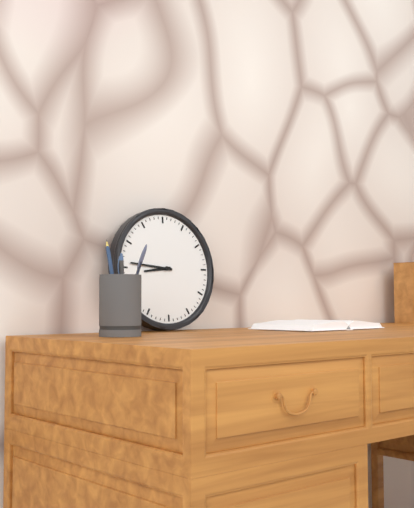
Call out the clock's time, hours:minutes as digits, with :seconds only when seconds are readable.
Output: 8:46
